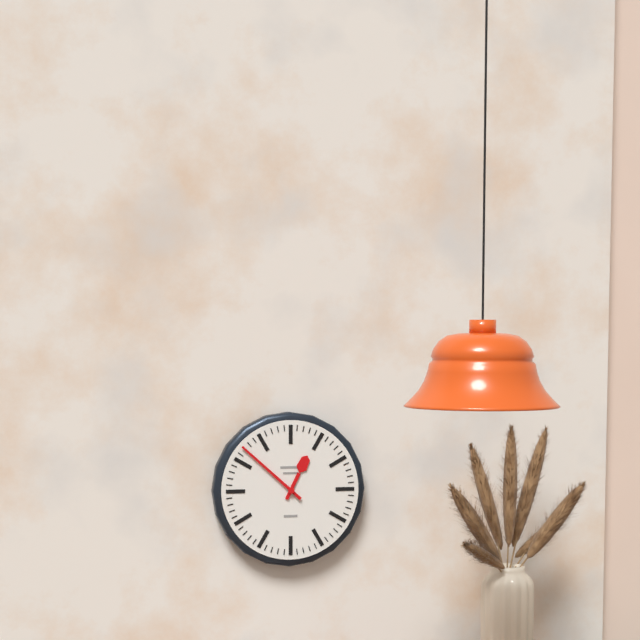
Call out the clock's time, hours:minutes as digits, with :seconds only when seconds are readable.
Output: 12:52
